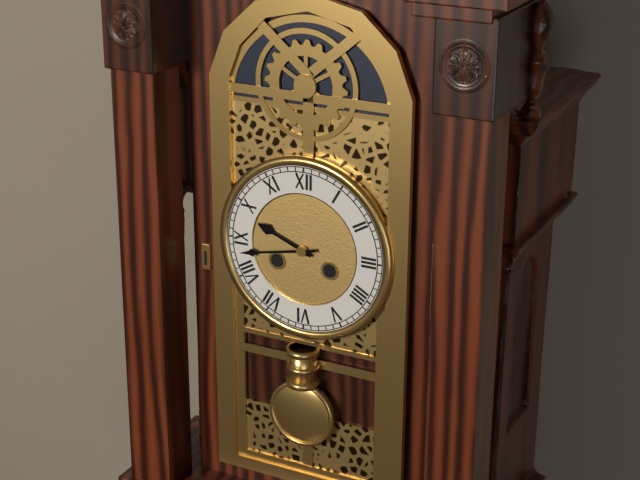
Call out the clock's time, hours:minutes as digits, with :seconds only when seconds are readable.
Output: 9:43
